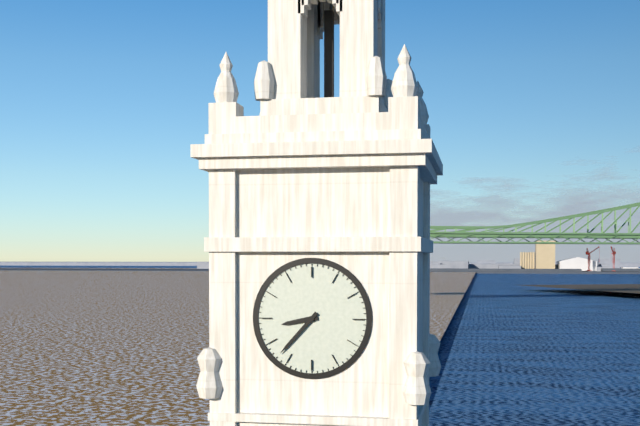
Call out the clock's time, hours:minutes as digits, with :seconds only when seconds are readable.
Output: 8:37
